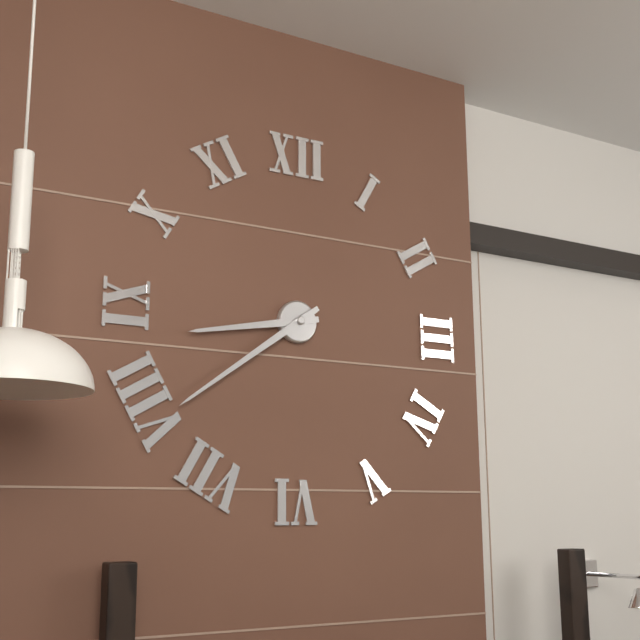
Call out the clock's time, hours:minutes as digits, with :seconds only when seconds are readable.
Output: 8:39
